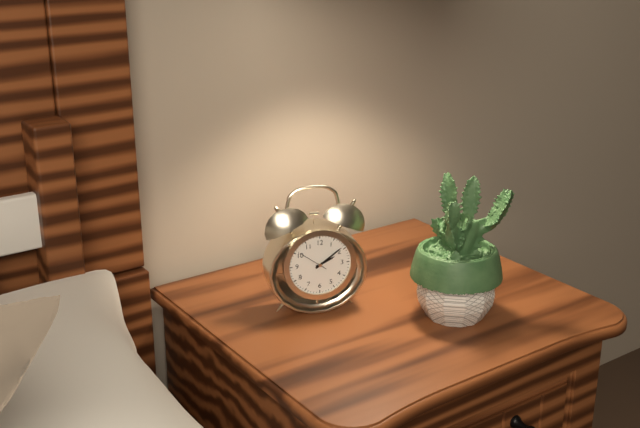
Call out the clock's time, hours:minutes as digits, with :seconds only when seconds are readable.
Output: 2:09
